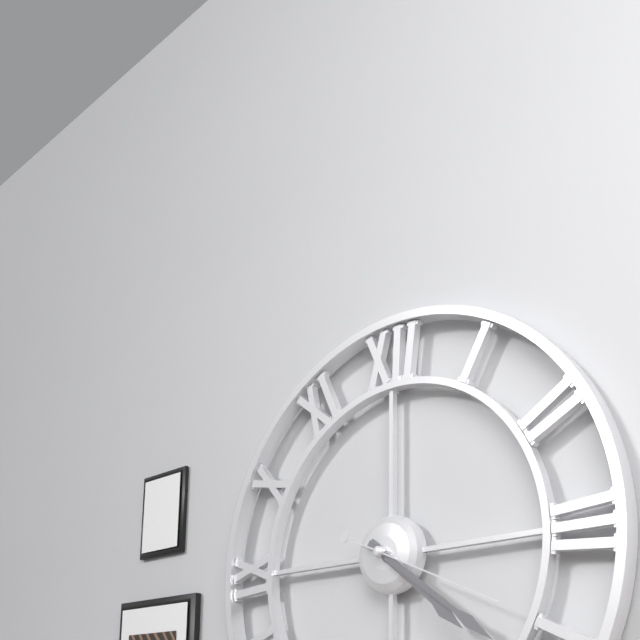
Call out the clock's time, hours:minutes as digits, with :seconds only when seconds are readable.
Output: 4:21:19
